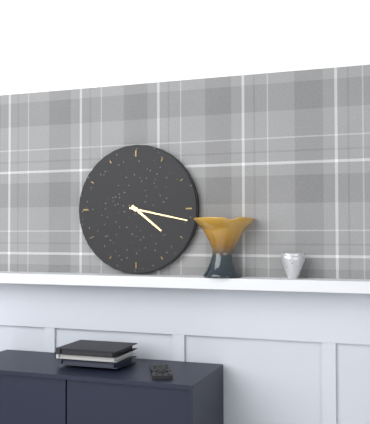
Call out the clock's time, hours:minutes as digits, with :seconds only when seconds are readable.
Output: 4:17
